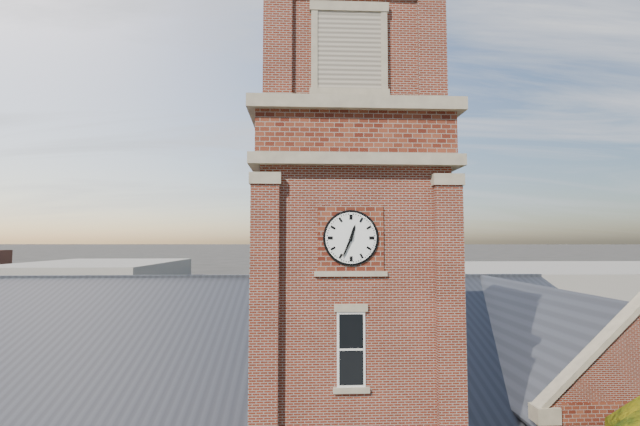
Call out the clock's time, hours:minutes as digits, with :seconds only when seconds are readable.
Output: 12:34
